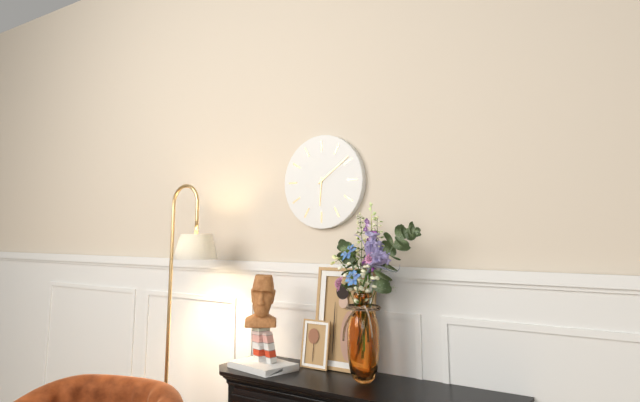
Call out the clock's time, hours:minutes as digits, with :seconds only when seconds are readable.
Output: 6:09
